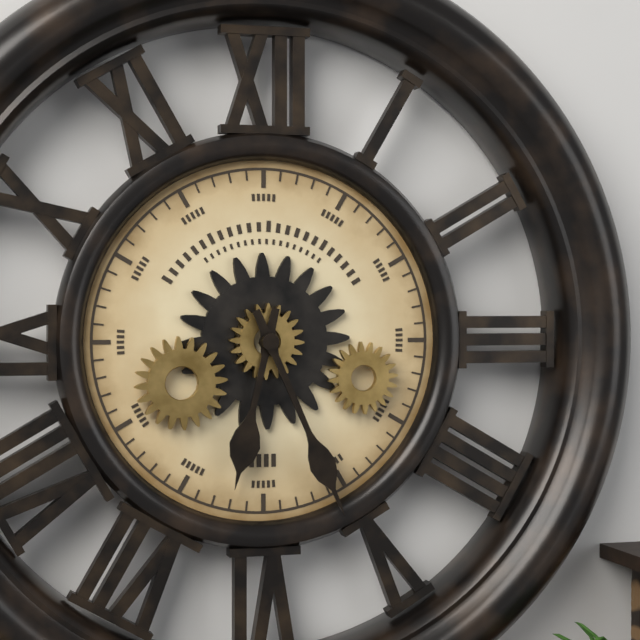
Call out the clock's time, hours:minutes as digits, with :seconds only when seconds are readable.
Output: 6:26
